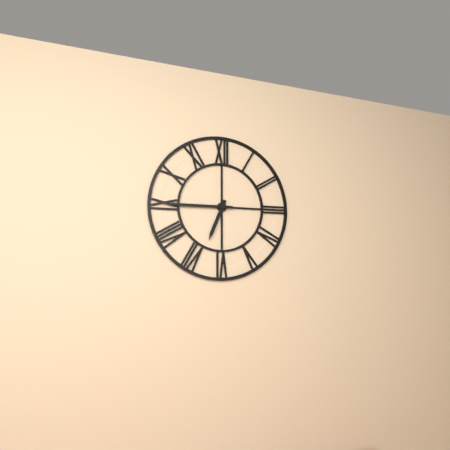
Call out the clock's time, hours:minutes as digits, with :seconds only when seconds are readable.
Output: 6:45
